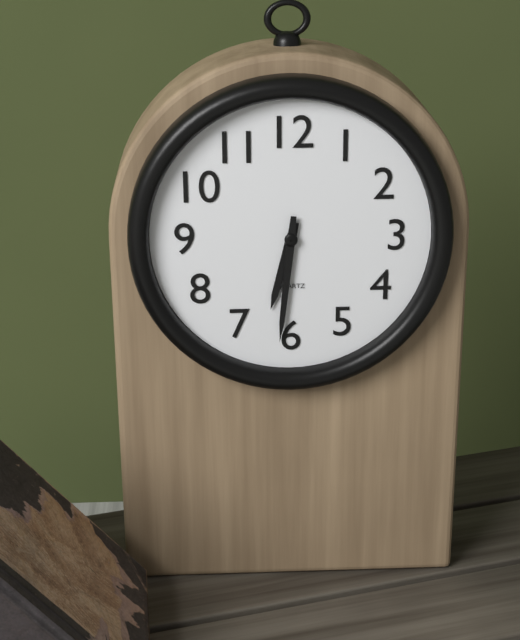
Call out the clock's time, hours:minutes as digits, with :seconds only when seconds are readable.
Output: 6:31
